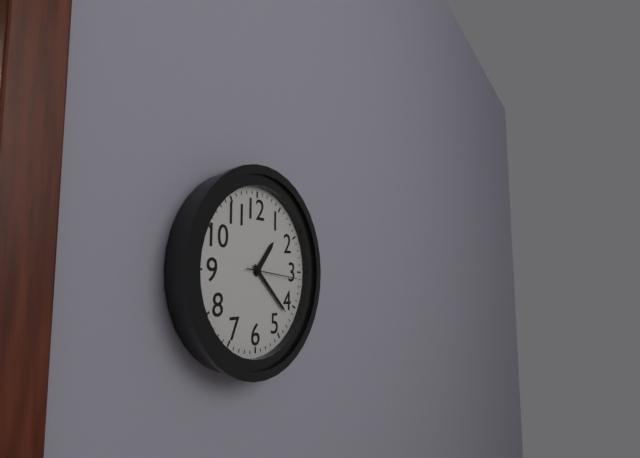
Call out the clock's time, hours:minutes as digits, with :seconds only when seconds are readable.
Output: 1:22:16
